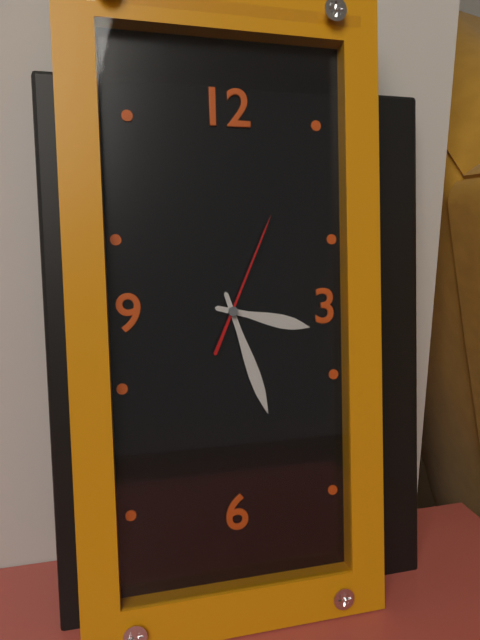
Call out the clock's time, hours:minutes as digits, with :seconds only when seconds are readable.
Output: 3:27:04
